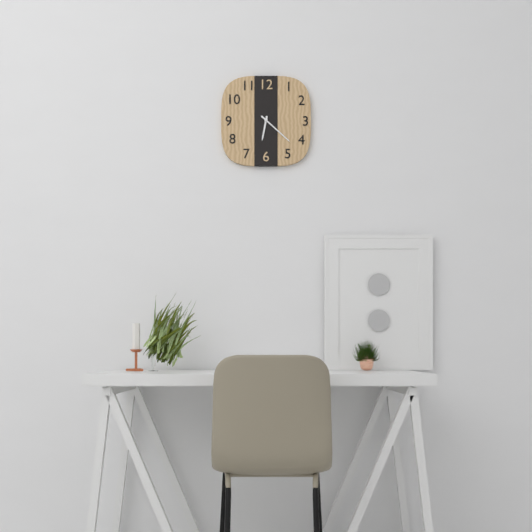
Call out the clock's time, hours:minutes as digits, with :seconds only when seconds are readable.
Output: 6:22
